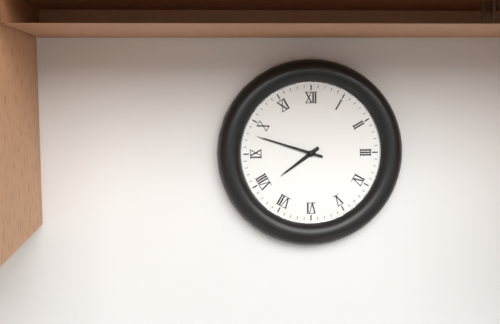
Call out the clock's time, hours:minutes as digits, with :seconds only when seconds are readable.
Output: 7:48
